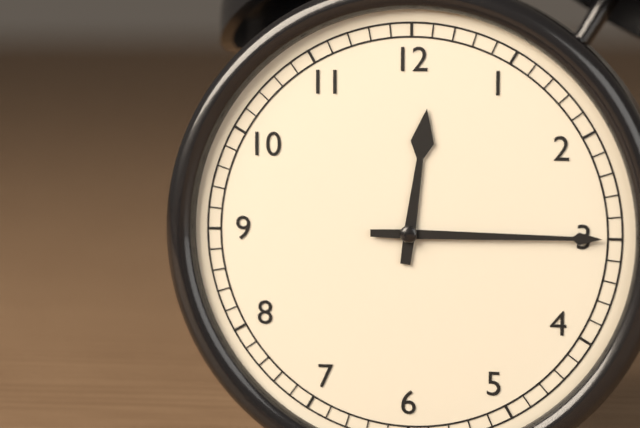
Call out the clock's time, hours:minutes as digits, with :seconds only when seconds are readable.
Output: 12:15
